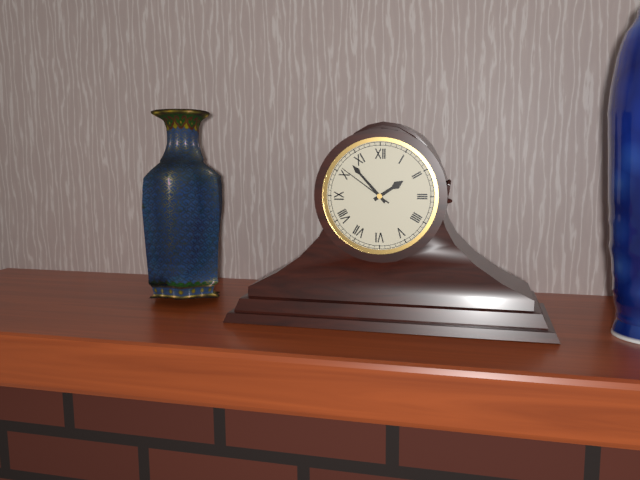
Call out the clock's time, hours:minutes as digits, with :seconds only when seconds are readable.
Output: 1:53:51
